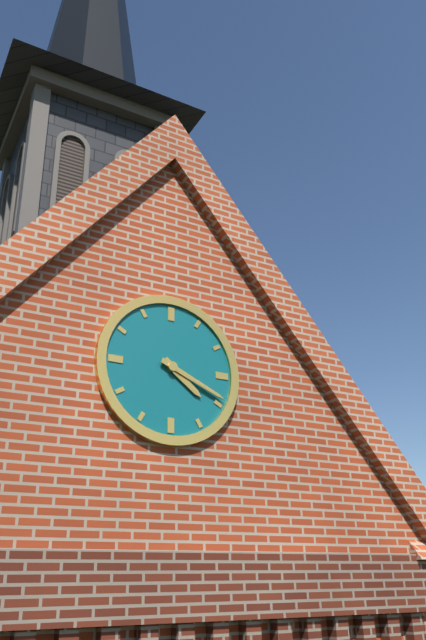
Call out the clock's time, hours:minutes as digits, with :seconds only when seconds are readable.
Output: 4:19
